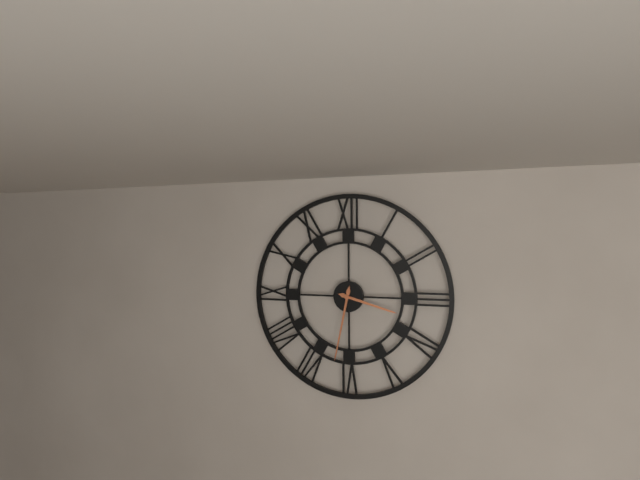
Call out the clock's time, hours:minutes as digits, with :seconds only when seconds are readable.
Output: 3:32
